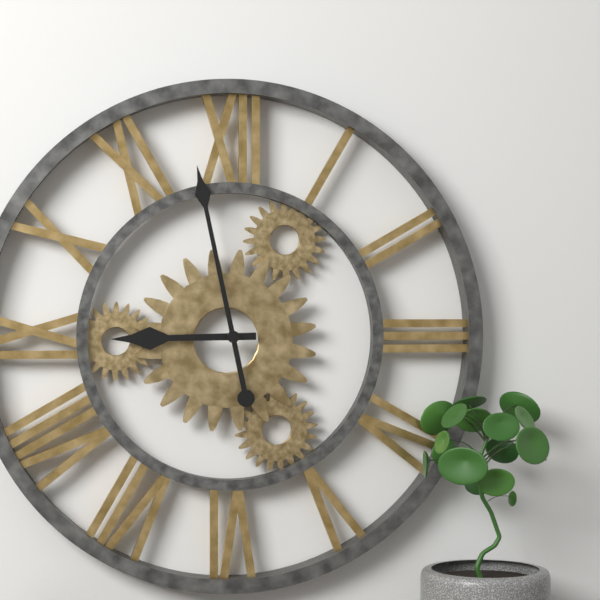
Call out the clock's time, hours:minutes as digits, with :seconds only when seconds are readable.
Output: 8:58
